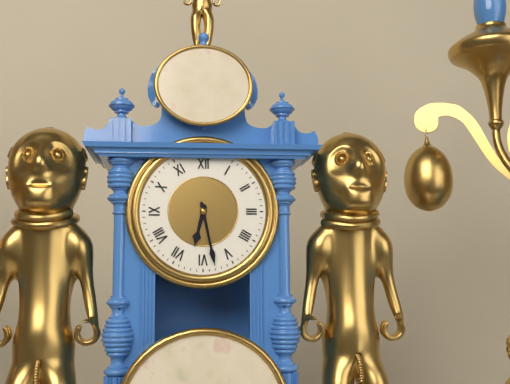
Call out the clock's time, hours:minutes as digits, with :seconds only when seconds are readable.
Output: 6:28
